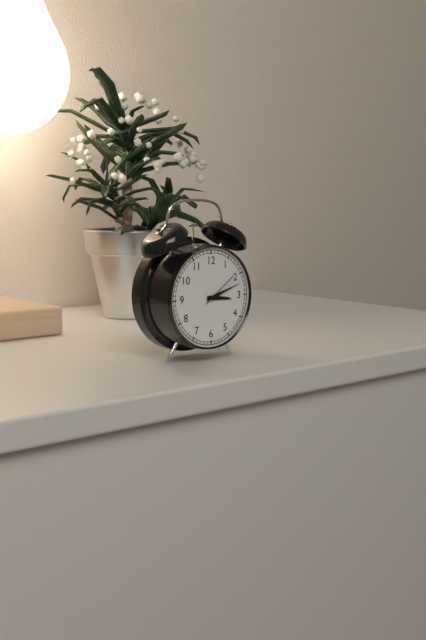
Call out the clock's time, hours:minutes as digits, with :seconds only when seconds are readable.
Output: 3:12
